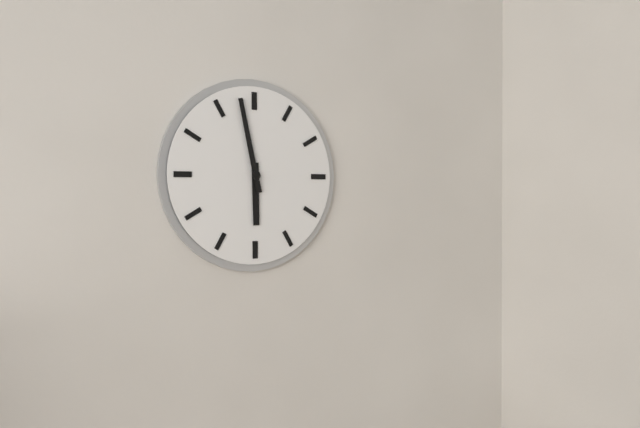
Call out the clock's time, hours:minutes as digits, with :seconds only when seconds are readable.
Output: 5:58
